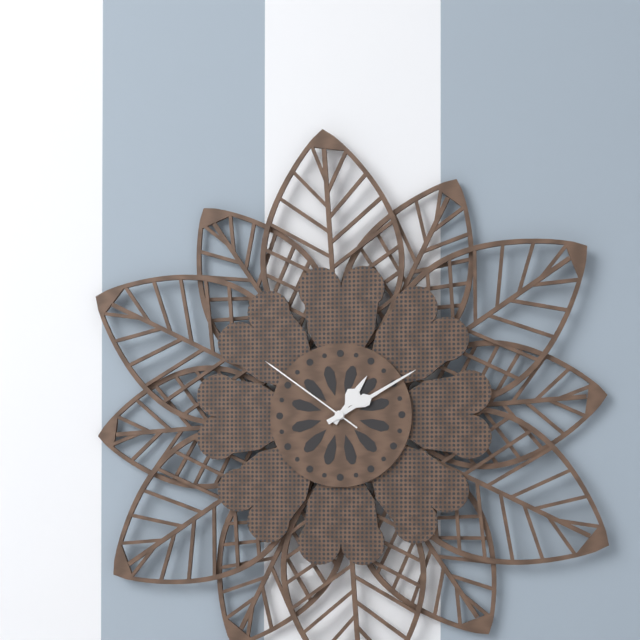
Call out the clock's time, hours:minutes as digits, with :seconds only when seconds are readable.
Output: 1:10:51
